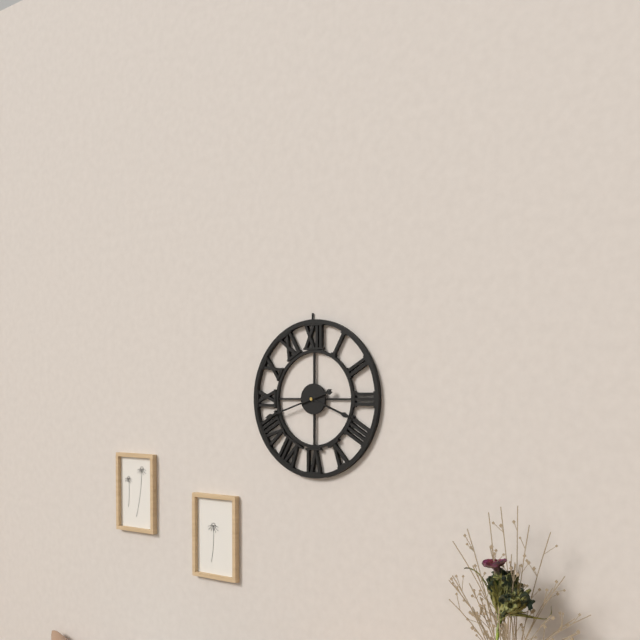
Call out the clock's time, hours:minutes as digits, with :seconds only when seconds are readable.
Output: 3:42
